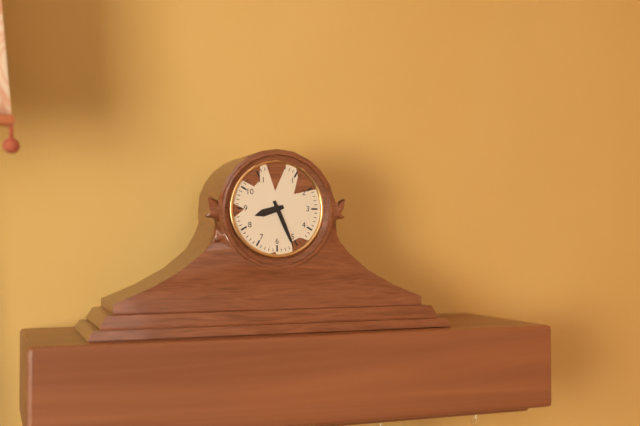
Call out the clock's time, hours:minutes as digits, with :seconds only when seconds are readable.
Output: 8:26
